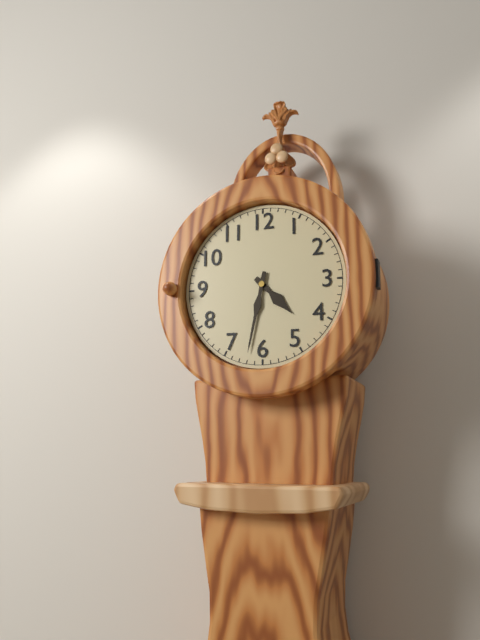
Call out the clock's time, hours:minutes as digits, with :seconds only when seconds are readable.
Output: 4:32
